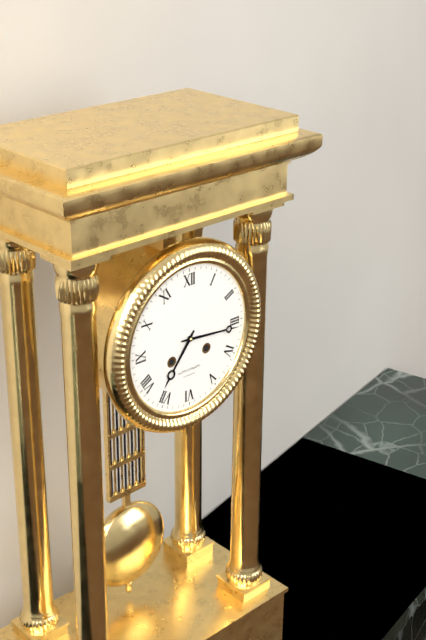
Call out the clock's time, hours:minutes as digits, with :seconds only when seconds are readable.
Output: 7:16
